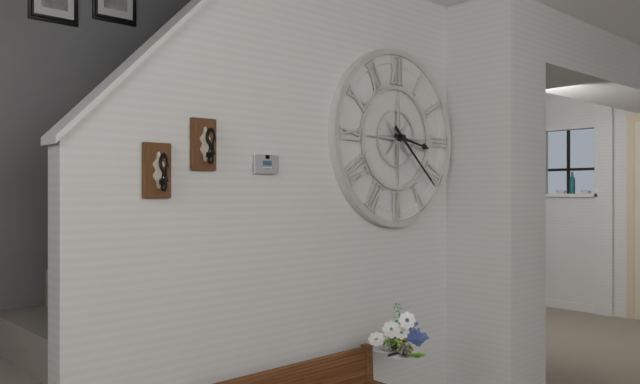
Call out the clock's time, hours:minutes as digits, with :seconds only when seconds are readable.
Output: 3:22
